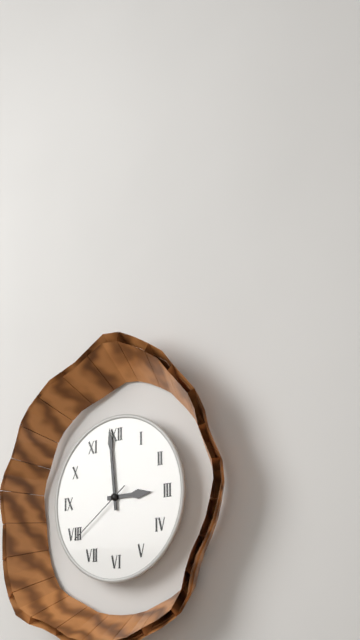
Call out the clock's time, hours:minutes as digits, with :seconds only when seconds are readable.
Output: 2:59:39
